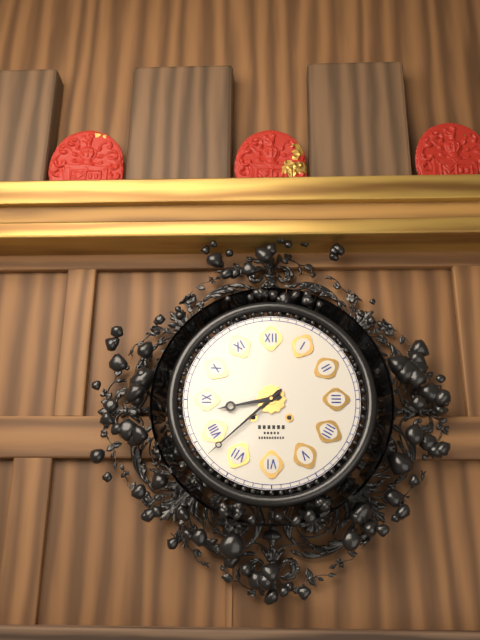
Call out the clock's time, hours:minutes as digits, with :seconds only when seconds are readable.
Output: 8:38
